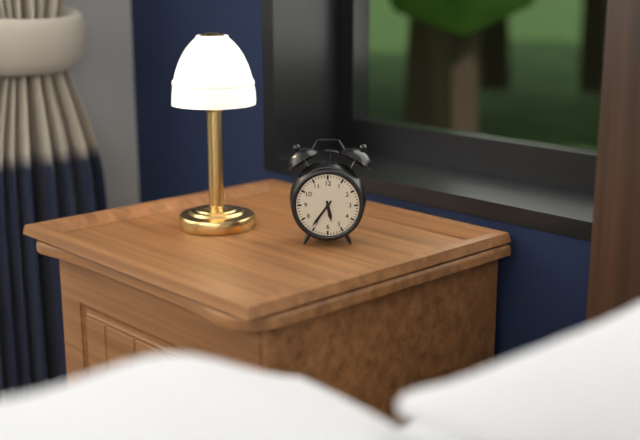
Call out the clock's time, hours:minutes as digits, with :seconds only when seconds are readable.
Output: 5:36
